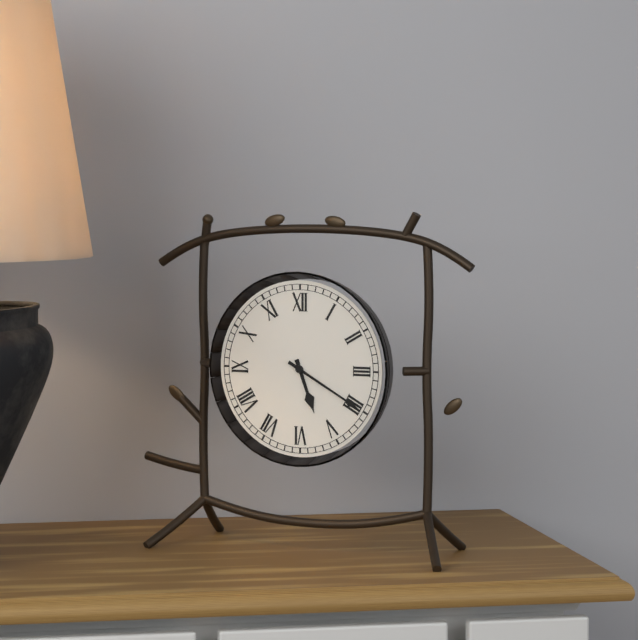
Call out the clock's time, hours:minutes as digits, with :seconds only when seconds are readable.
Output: 5:20
